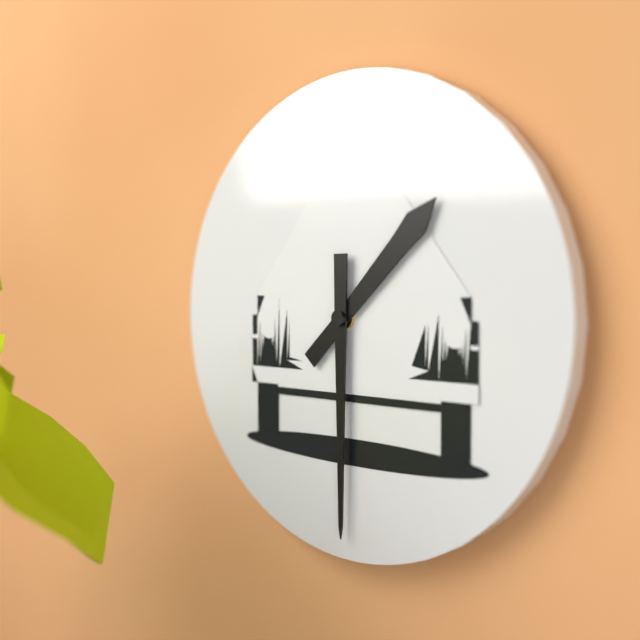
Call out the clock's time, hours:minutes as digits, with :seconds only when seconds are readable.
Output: 1:30
